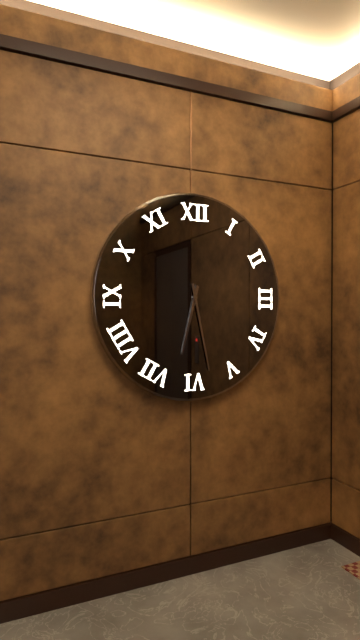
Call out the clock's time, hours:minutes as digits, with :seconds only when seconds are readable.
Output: 6:28
